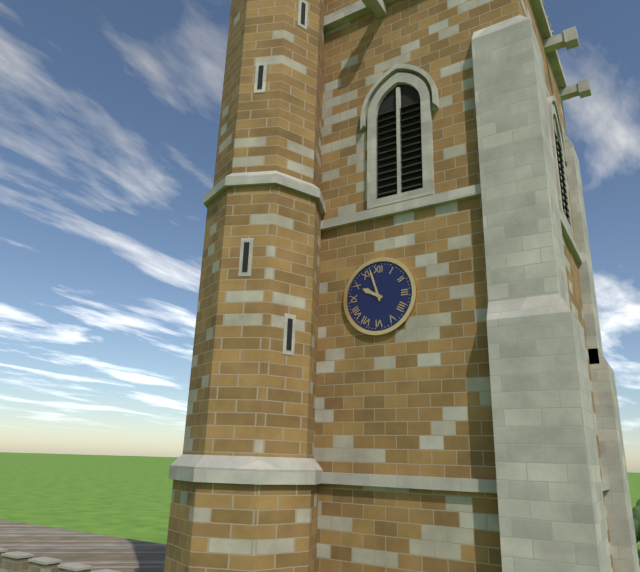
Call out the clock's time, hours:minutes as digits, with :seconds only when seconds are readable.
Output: 9:57
